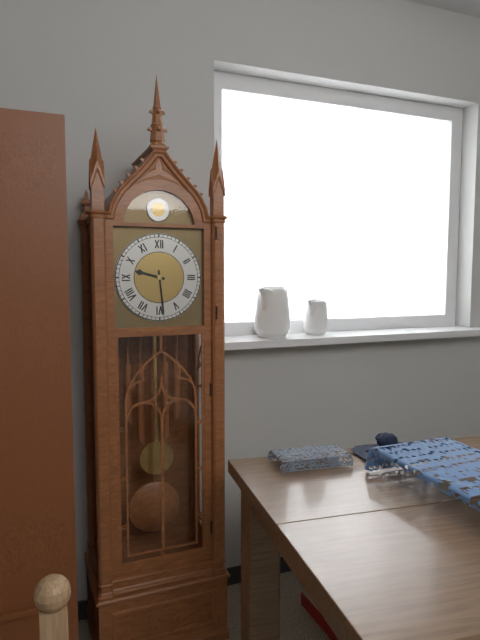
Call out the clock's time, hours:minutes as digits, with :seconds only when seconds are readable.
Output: 9:29
